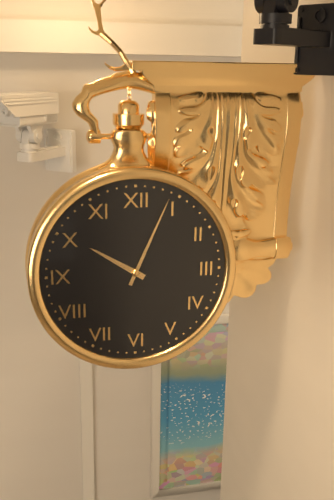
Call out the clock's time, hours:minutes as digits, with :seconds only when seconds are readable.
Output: 10:04
